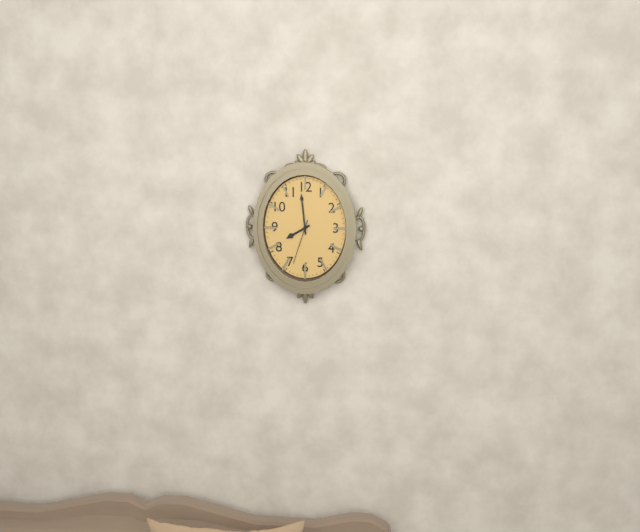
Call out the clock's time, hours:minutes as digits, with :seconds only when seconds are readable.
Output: 7:59
